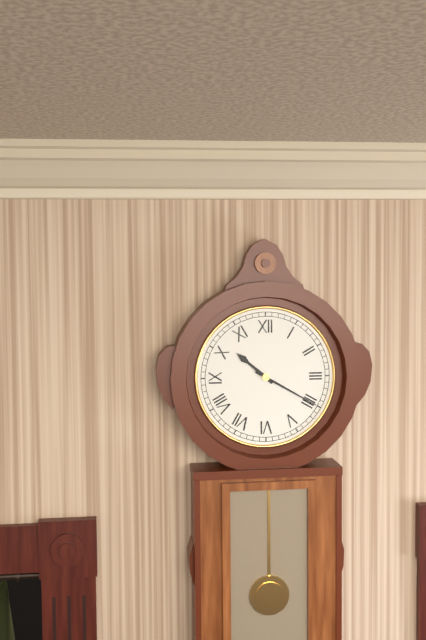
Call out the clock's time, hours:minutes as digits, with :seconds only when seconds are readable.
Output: 10:20
